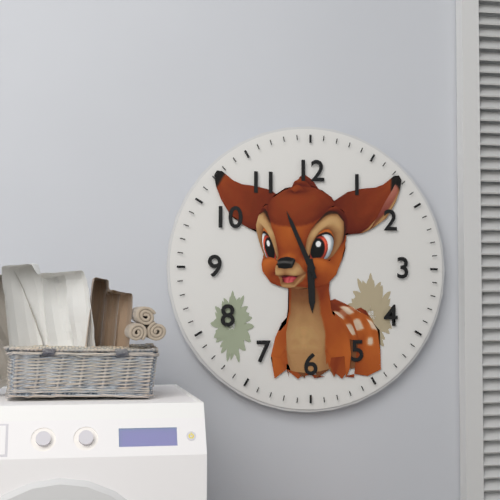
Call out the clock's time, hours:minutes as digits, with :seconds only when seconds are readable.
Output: 5:56
